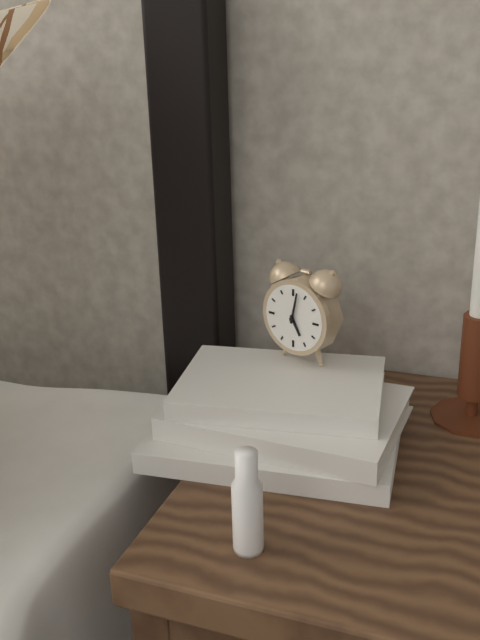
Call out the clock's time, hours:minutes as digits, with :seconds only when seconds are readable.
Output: 5:02
